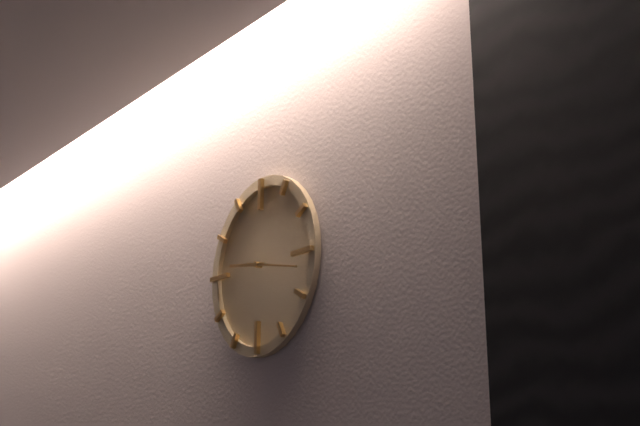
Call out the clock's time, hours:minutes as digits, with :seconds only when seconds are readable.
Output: 9:17
